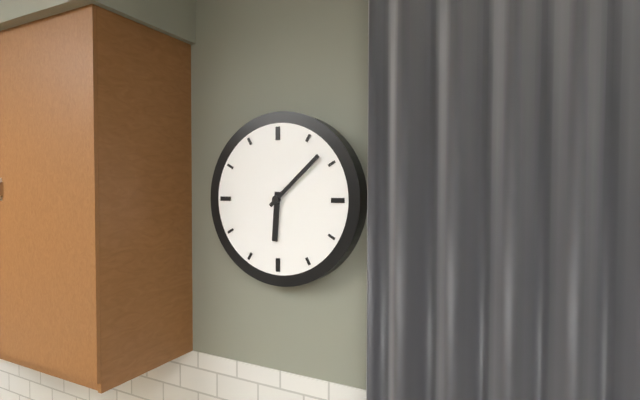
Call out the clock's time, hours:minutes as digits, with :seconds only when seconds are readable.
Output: 6:08
